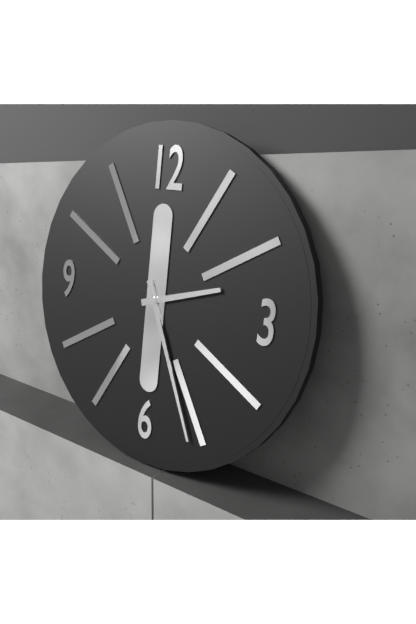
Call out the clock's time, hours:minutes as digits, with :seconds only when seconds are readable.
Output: 2:26
